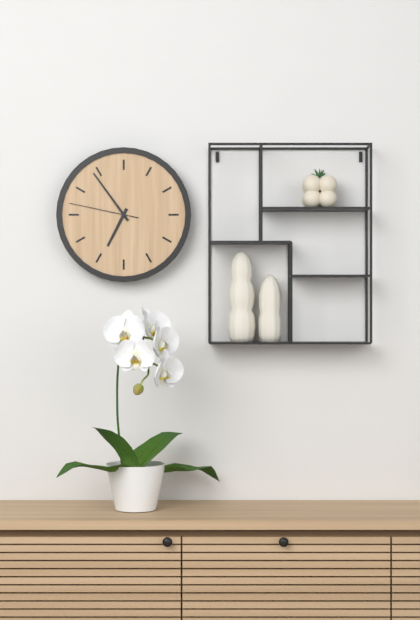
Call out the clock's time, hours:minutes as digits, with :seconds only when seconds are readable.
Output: 6:54:47
